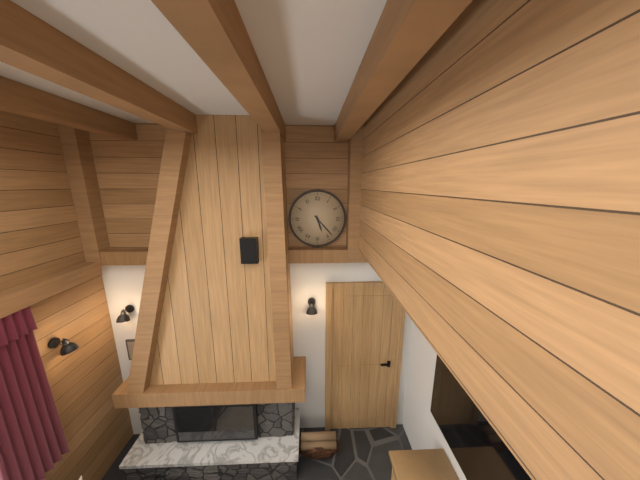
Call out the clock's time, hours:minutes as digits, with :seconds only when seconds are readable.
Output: 5:23
